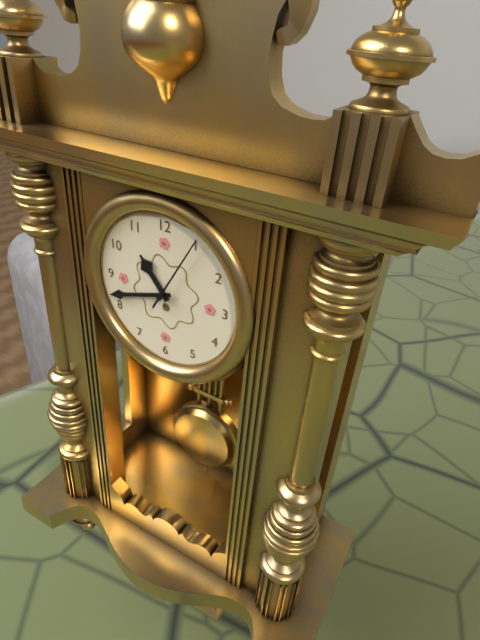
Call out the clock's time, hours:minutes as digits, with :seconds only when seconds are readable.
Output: 10:42:05
